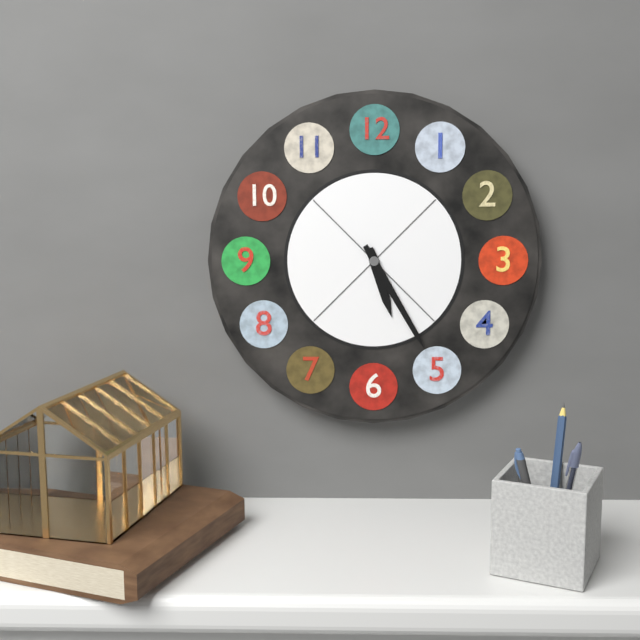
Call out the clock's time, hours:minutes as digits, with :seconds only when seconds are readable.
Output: 5:25
